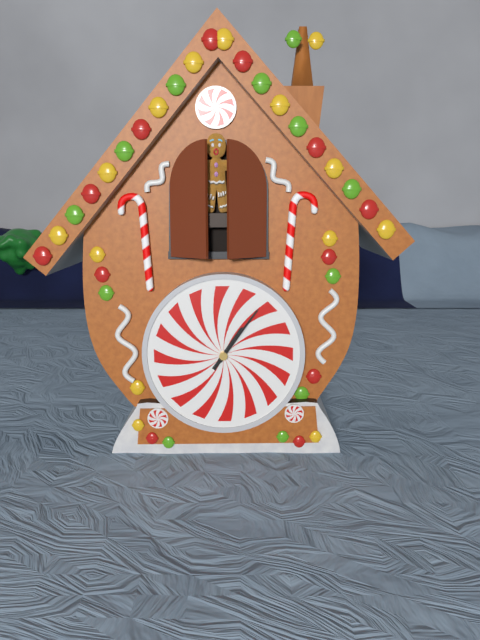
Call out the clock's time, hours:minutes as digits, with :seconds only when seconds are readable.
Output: 1:06
